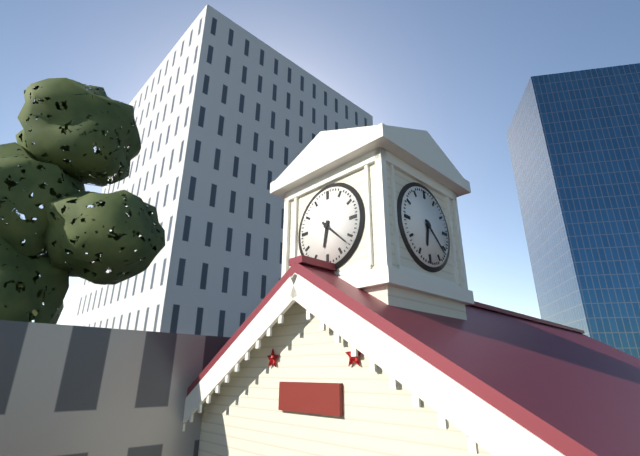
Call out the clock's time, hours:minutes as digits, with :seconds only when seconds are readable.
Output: 6:22
